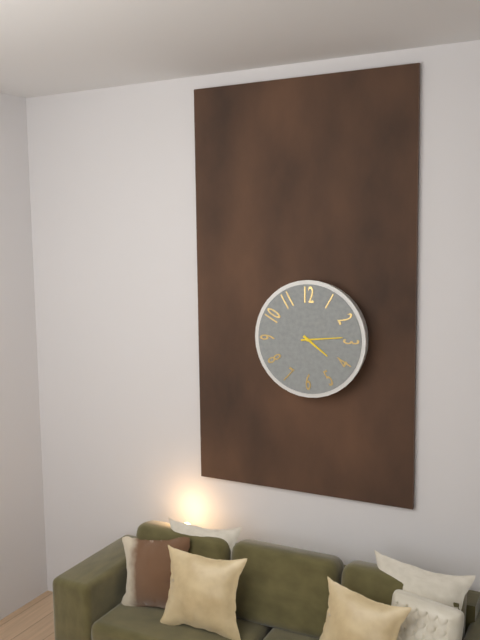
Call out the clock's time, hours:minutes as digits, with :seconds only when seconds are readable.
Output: 4:14
